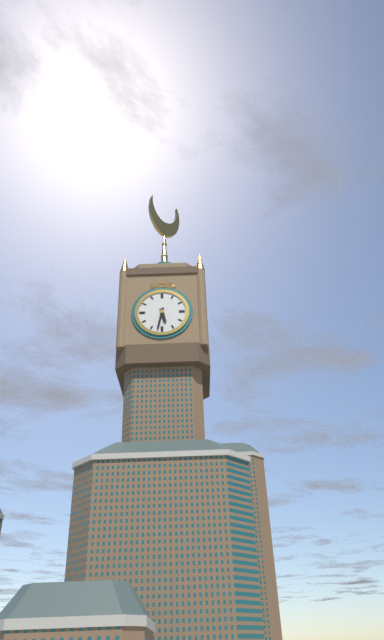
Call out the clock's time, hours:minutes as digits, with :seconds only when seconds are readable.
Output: 5:32
